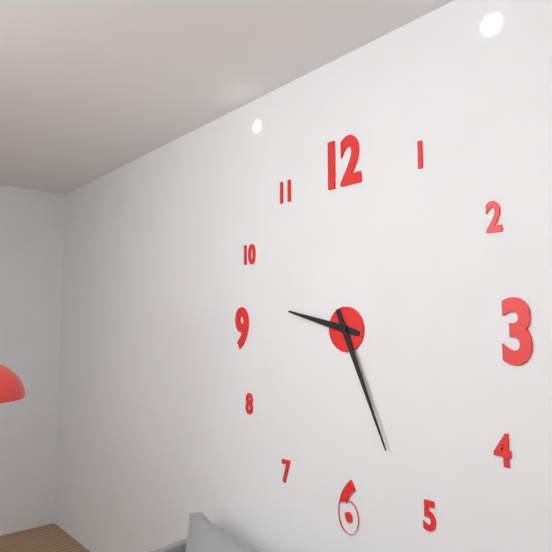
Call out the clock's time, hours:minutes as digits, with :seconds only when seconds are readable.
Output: 9:26
